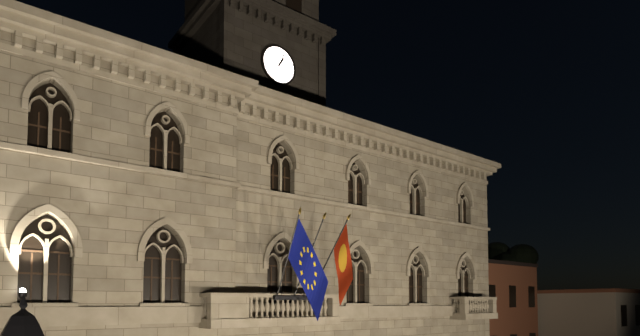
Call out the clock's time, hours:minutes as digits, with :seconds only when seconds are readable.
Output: 1:04
